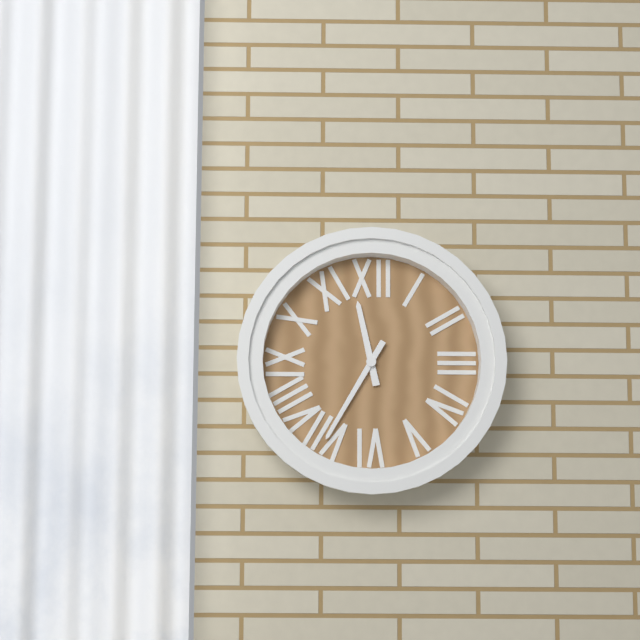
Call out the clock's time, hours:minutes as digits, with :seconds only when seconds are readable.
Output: 11:35
